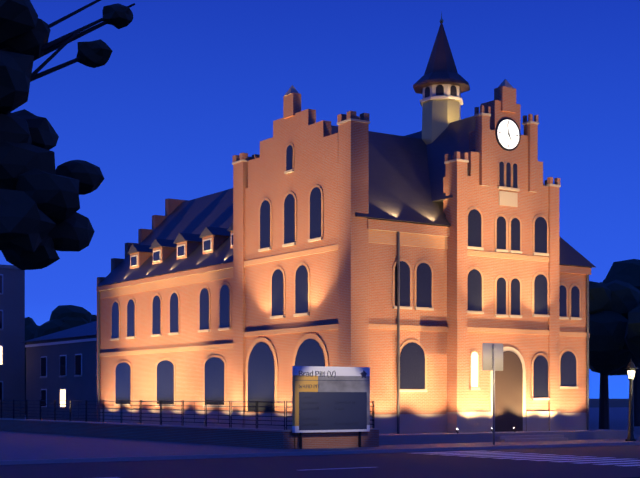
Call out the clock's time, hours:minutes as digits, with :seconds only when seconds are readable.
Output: 4:58
